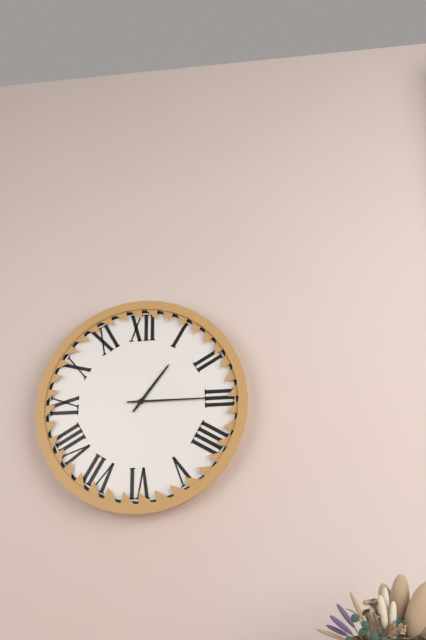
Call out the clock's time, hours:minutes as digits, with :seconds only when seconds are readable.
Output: 1:15
